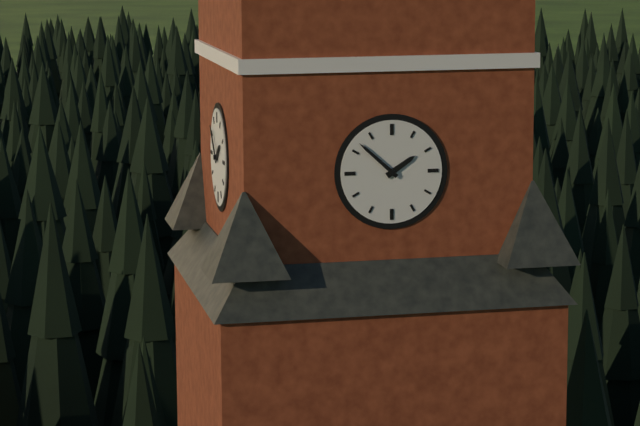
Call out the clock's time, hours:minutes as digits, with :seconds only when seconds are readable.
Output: 1:52
